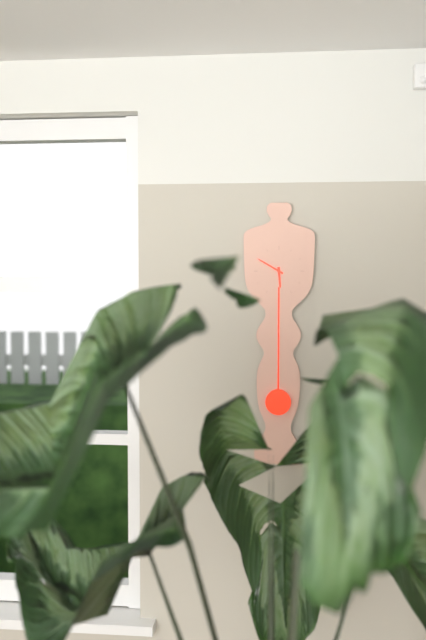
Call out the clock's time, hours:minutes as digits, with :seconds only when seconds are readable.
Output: 5:50
